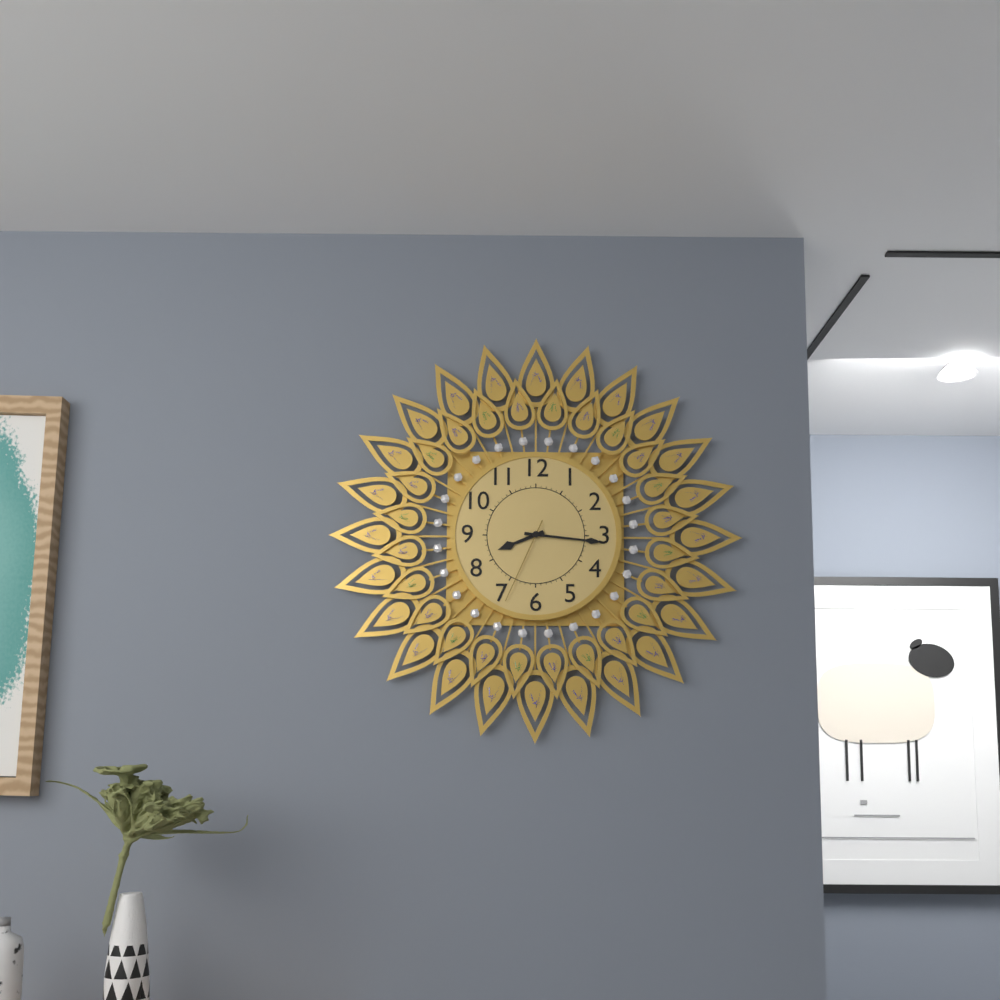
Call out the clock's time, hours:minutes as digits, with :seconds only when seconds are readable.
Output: 8:16:34
